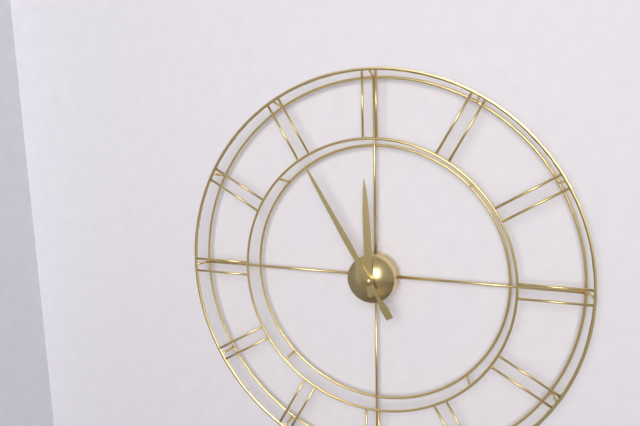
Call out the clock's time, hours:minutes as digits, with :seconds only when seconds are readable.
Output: 11:55
